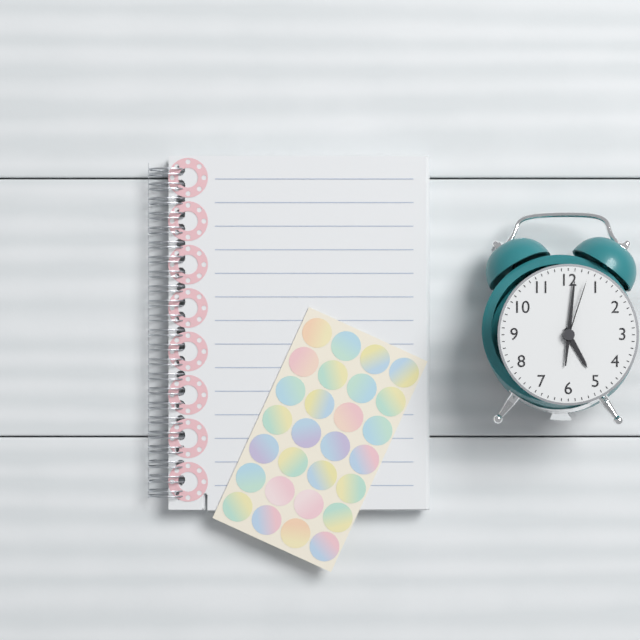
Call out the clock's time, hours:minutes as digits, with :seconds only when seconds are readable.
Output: 5:01:03
